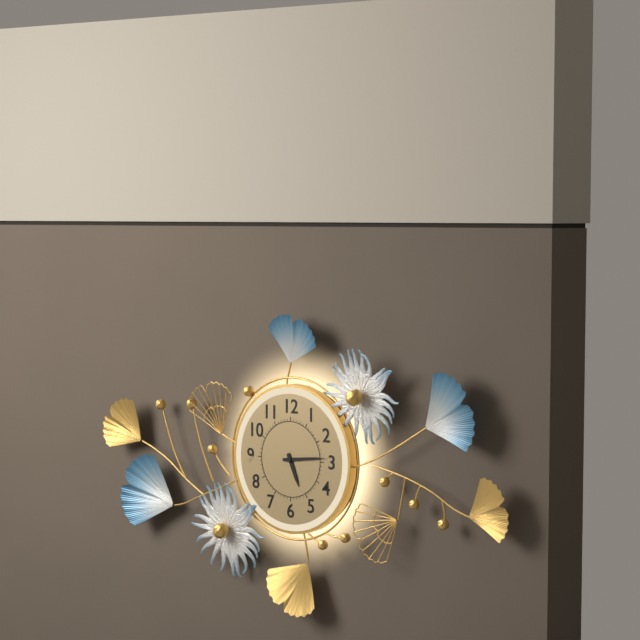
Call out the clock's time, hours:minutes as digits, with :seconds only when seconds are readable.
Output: 5:14
